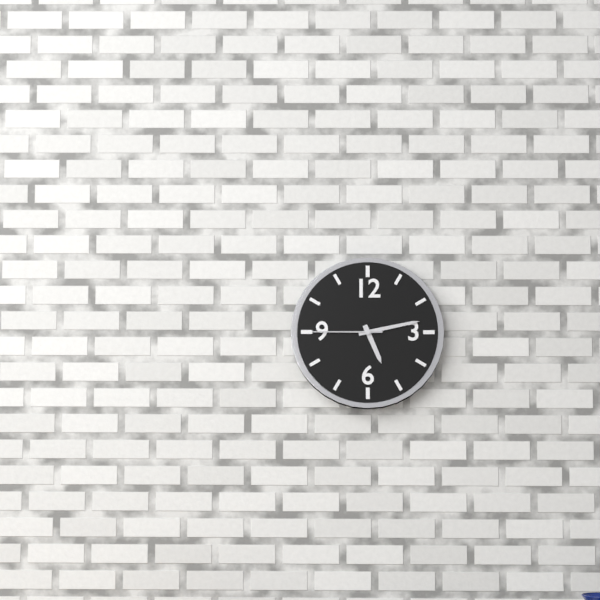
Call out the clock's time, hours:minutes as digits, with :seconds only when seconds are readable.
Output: 5:13:45
